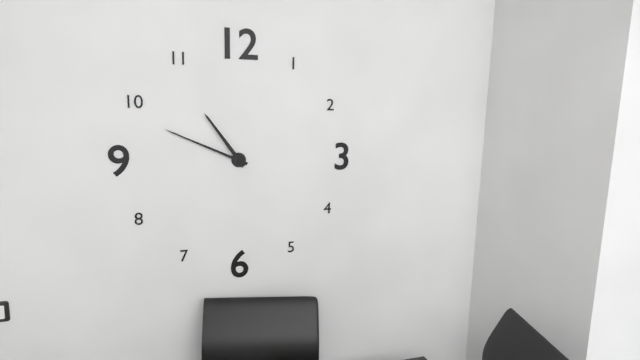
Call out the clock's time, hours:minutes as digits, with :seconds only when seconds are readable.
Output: 10:49
